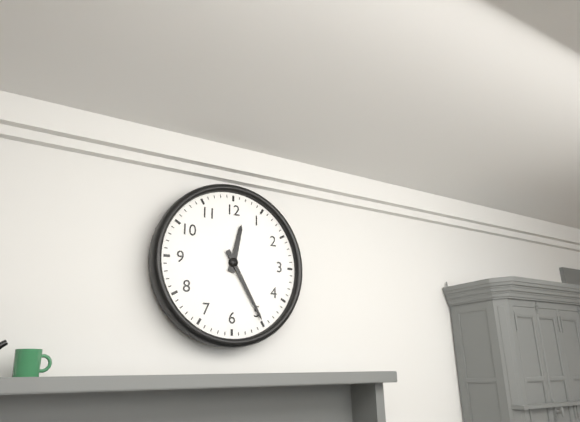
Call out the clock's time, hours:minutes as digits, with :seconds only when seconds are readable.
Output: 12:25
